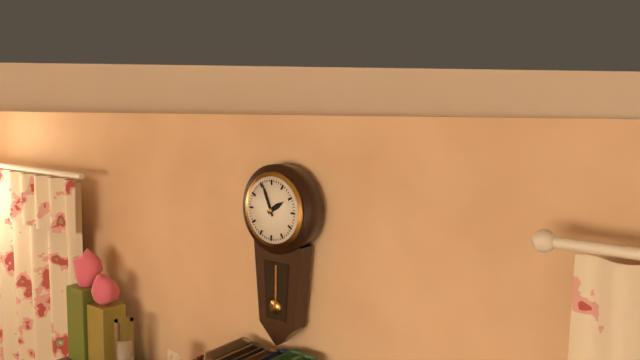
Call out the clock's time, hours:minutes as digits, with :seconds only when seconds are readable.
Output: 1:56
